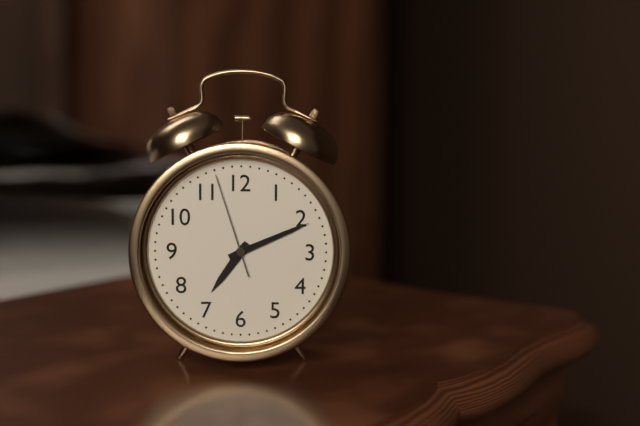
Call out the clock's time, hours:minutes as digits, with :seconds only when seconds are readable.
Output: 7:11:57
